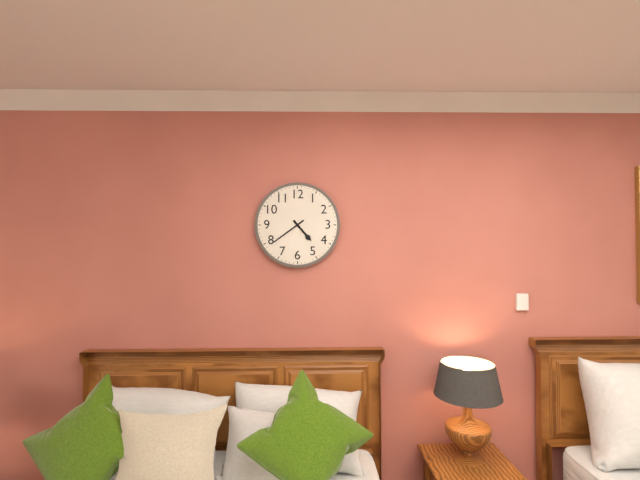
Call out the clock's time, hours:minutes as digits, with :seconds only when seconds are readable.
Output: 4:39
